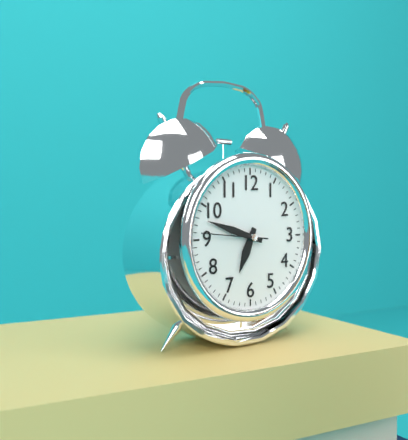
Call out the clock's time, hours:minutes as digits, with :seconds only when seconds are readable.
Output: 6:48:46
